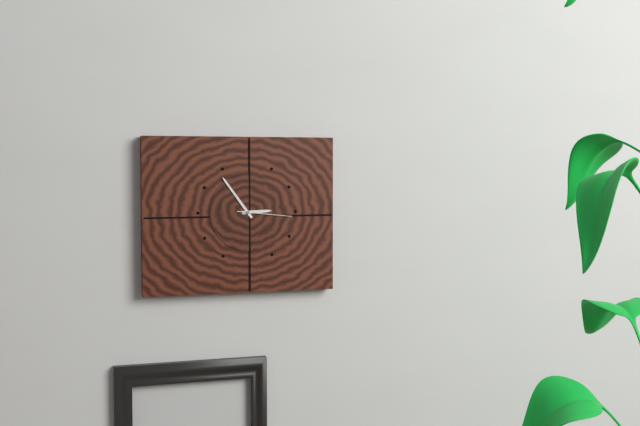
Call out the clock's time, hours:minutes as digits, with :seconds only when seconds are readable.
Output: 2:54:16
